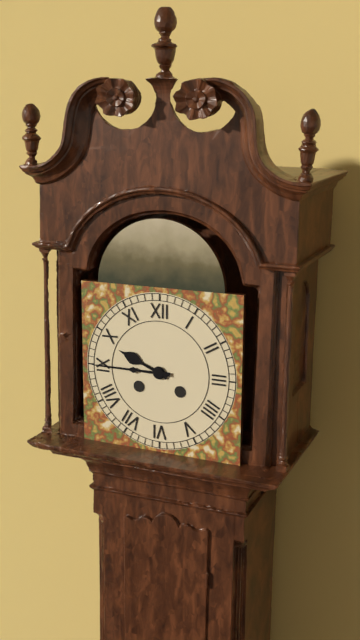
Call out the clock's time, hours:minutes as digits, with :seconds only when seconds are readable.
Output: 9:45
